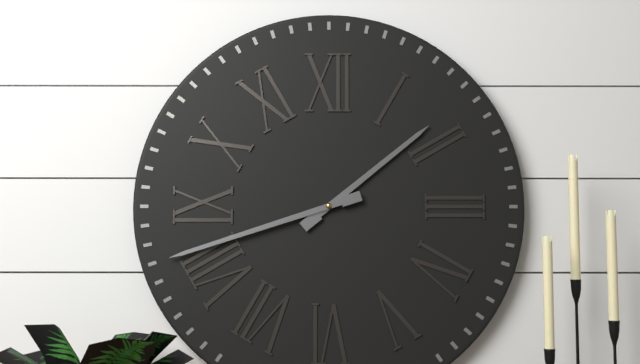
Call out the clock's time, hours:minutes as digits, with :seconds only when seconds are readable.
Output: 1:42
